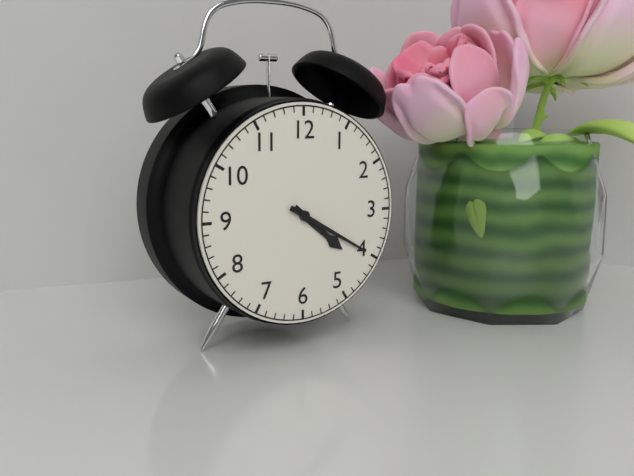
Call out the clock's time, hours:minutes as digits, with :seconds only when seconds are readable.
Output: 4:20
